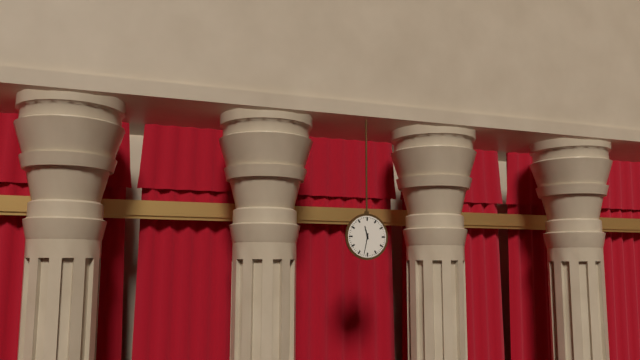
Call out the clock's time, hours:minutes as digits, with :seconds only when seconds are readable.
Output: 11:32
